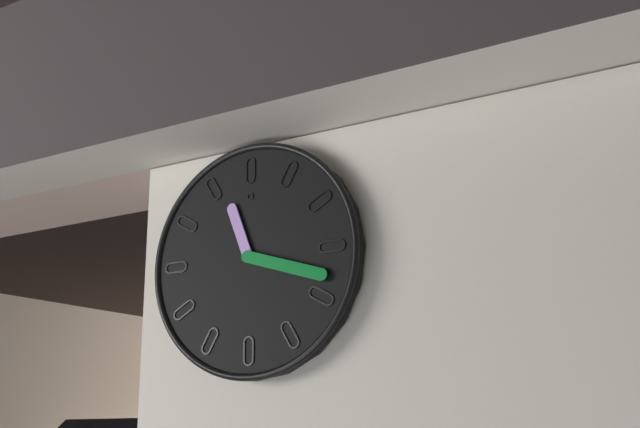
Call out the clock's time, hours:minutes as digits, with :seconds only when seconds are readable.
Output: 11:18
